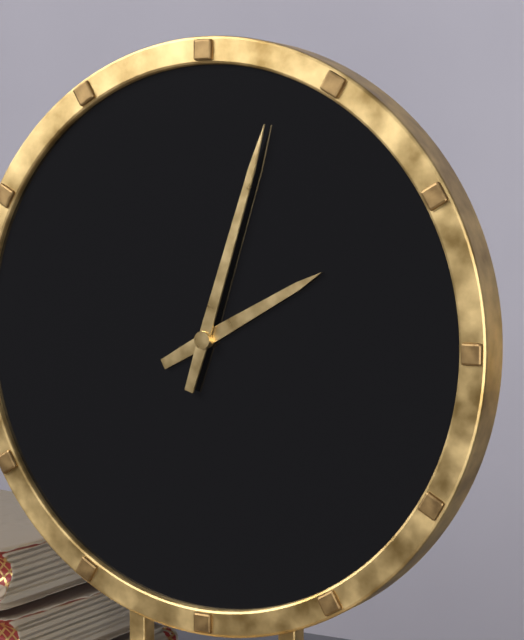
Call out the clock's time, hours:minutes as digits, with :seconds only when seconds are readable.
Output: 2:03
